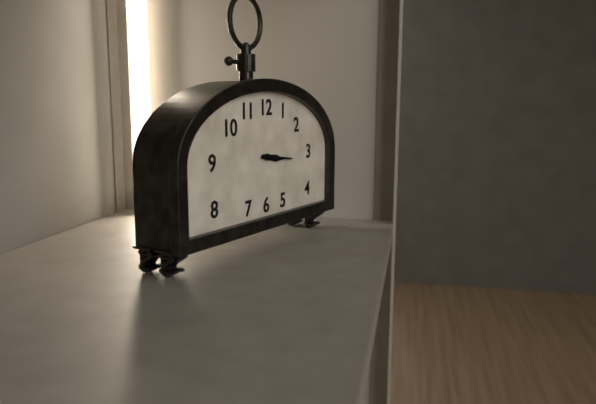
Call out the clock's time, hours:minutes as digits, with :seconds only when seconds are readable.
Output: 3:16
